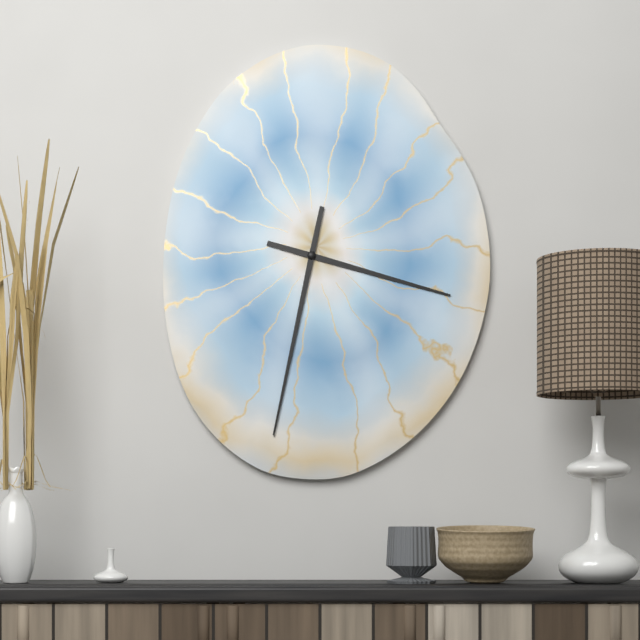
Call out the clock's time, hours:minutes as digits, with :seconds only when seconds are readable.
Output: 3:32
